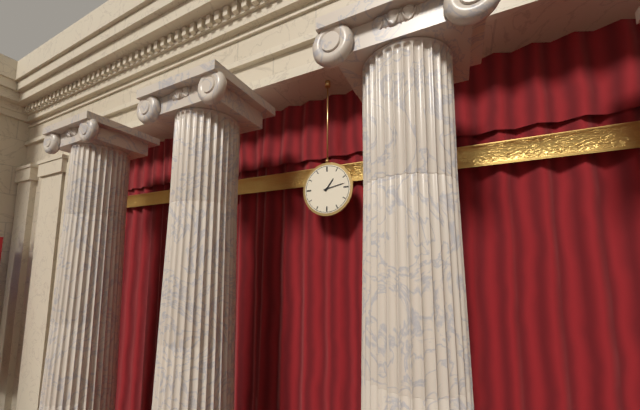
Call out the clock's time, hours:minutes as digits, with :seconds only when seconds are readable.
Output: 1:13
